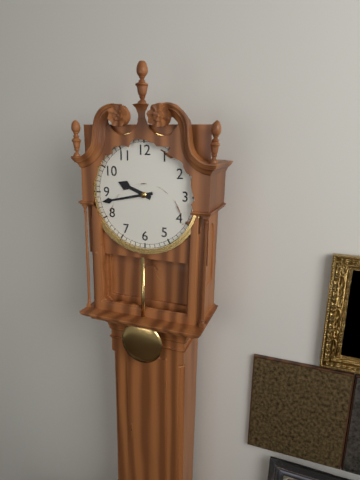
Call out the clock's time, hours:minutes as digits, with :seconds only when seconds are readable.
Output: 9:43
